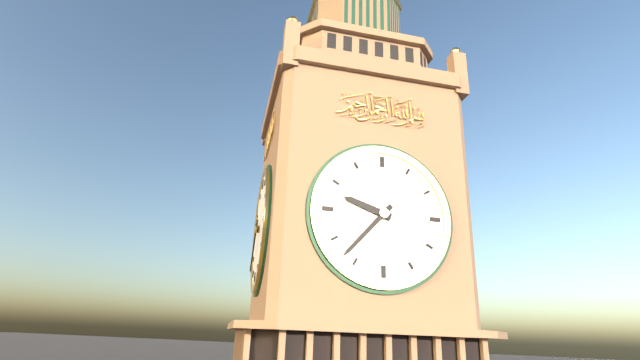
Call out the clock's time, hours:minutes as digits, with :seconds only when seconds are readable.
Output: 9:37
